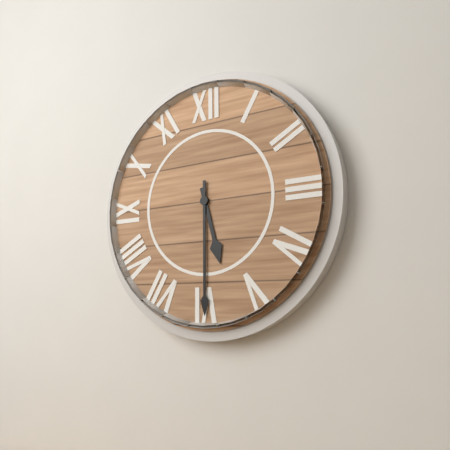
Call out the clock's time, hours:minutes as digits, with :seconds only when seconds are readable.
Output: 5:30
